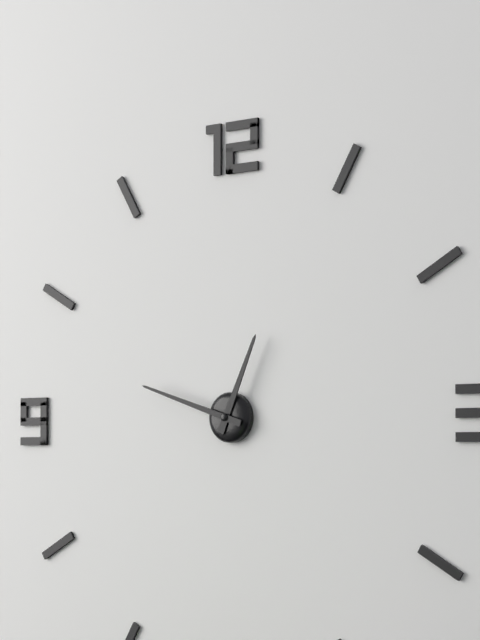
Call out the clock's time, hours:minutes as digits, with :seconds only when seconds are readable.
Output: 12:48
